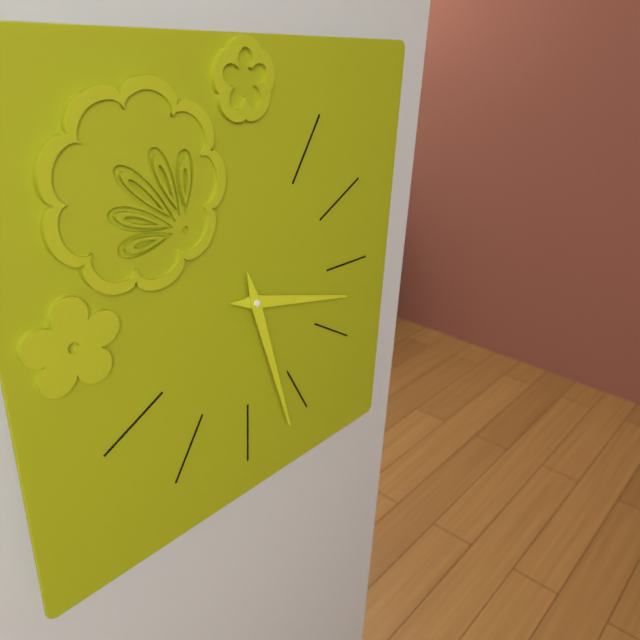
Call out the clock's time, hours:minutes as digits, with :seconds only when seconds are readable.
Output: 3:27
